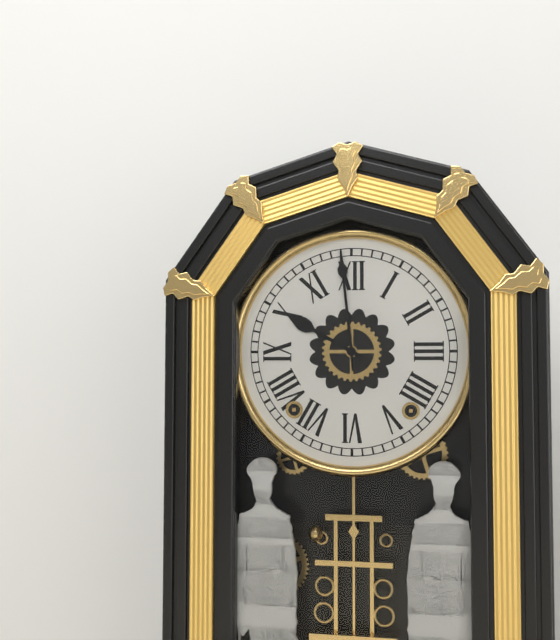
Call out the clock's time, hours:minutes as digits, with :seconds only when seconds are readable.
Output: 9:59
